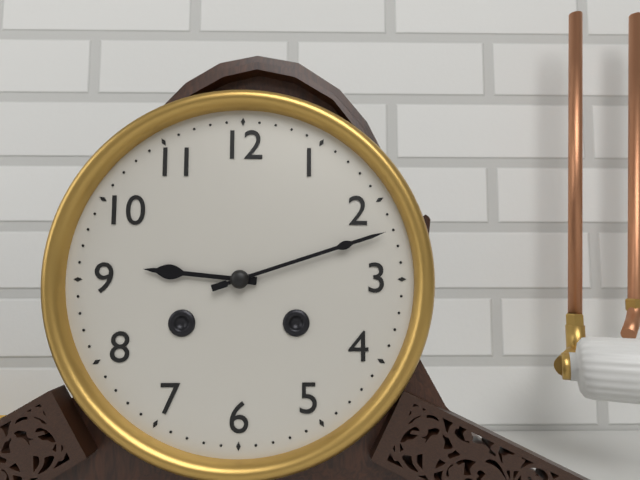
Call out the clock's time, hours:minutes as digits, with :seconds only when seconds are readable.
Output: 9:12
